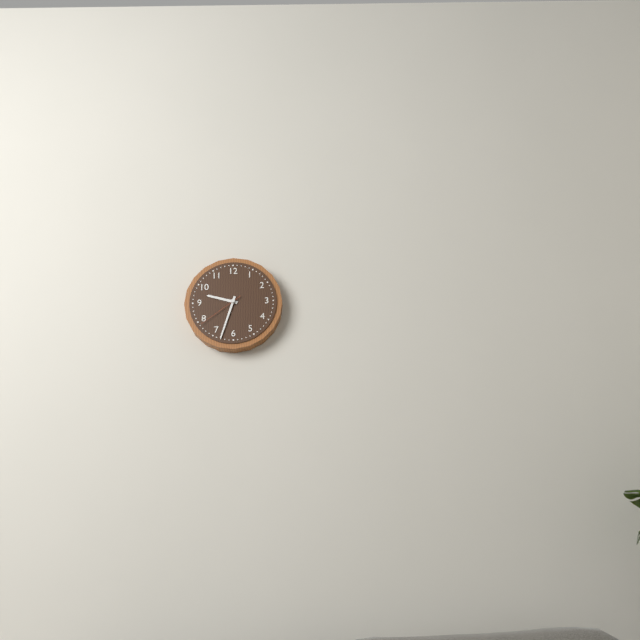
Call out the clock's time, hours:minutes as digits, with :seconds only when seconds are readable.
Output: 9:33
